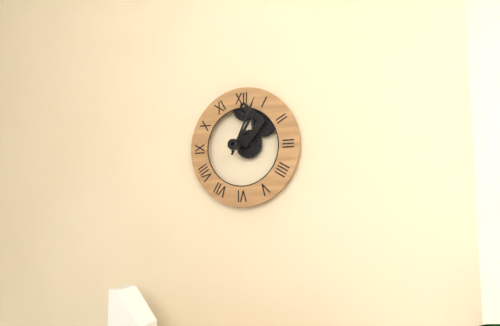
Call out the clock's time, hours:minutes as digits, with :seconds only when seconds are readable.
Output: 1:04
